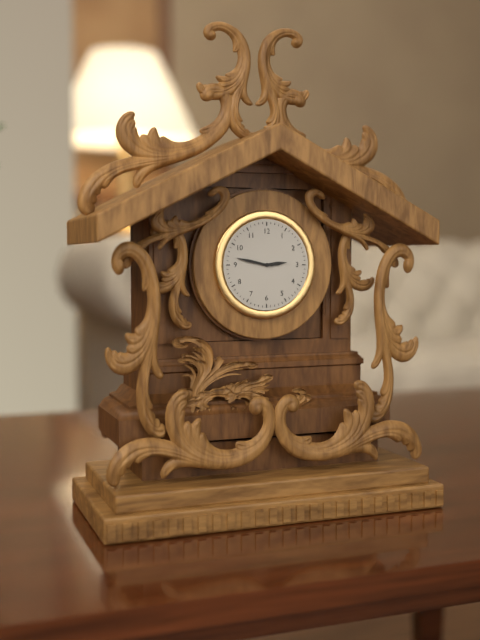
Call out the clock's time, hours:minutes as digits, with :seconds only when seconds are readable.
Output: 2:47
